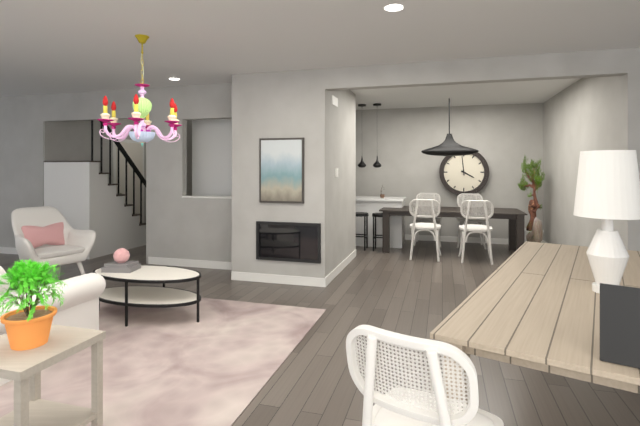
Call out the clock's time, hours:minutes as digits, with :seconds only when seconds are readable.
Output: 3:59
